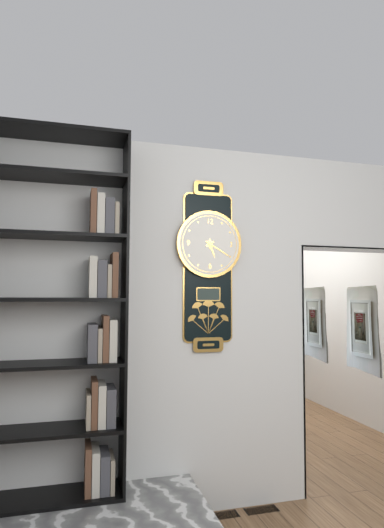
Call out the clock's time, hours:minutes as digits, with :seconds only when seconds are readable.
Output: 5:20
